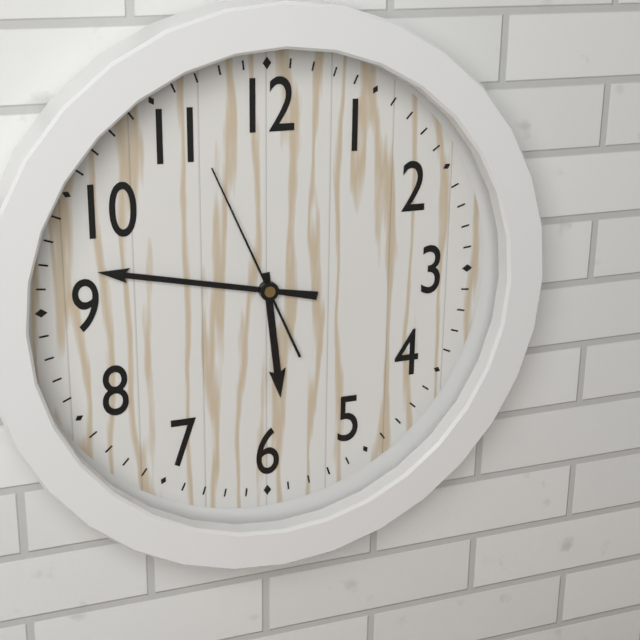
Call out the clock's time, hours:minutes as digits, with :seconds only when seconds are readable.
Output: 5:47:56
